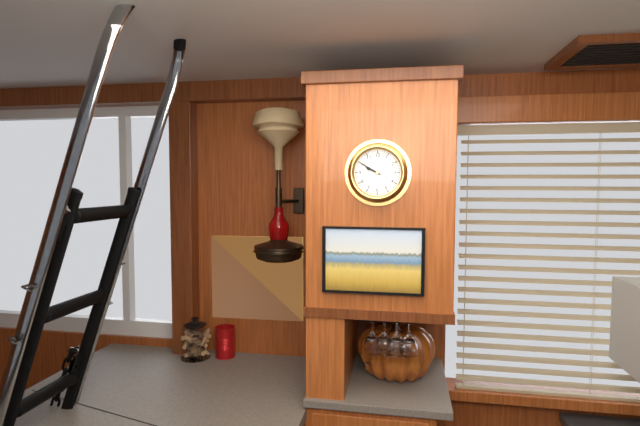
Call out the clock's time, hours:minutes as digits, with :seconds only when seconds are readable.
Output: 9:50
